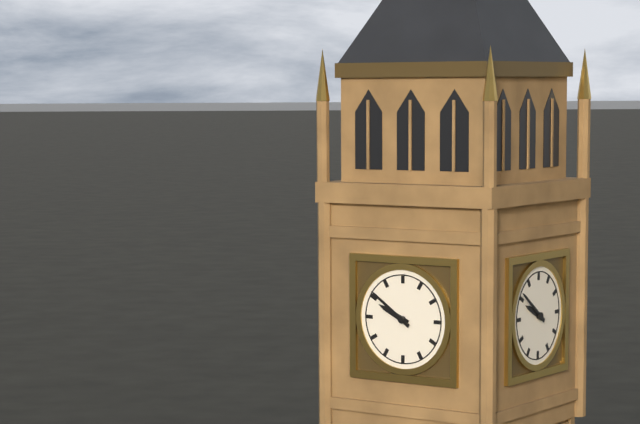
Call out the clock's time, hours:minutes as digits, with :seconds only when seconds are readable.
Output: 9:51
